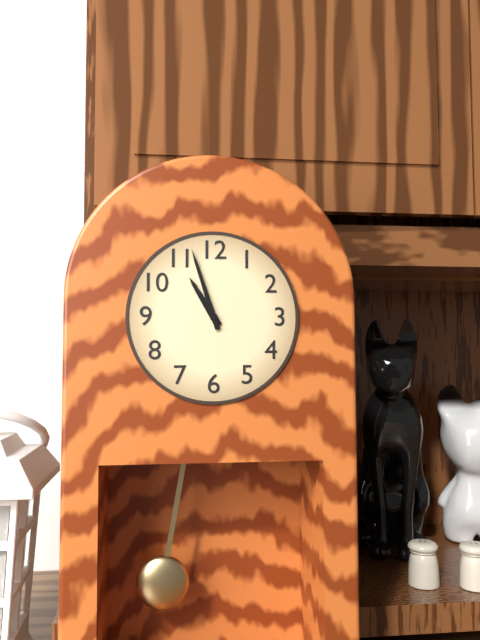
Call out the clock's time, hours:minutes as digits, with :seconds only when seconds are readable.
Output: 10:57
